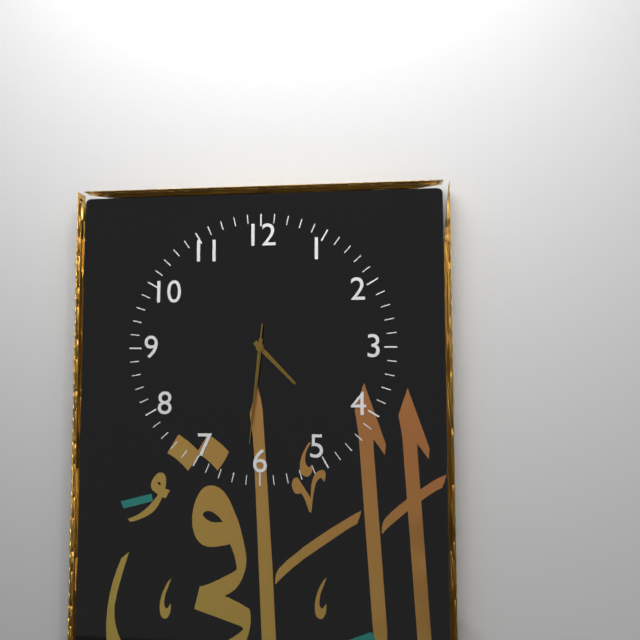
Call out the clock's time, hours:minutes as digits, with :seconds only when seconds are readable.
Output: 4:31:31
